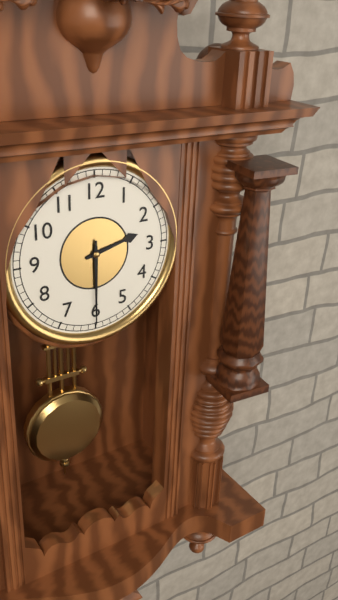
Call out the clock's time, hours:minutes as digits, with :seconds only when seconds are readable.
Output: 2:30
